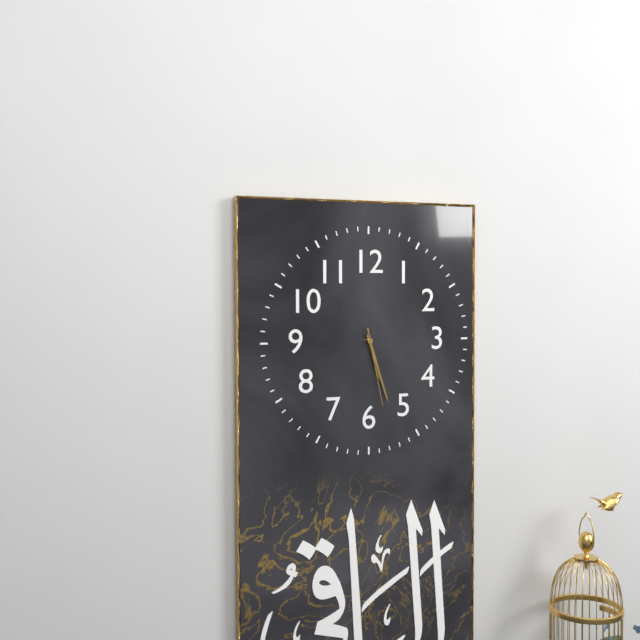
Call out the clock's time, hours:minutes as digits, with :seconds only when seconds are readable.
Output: 5:27:28
